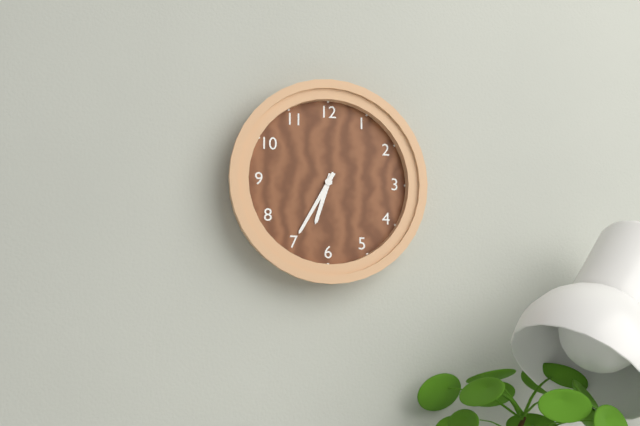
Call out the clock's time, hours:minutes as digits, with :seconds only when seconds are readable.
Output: 6:35
